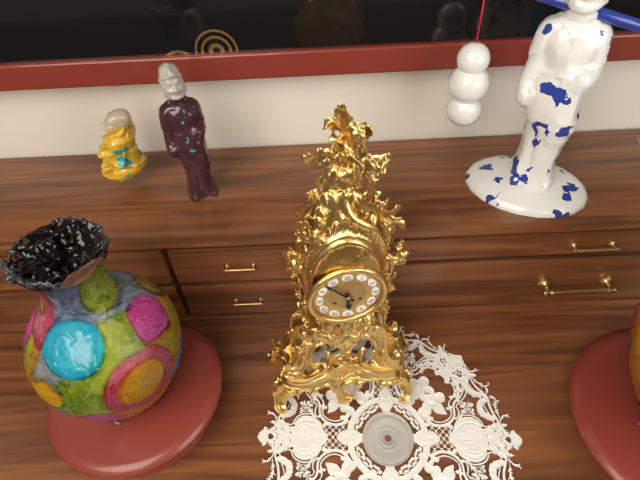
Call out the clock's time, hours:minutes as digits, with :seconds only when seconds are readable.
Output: 5:53
